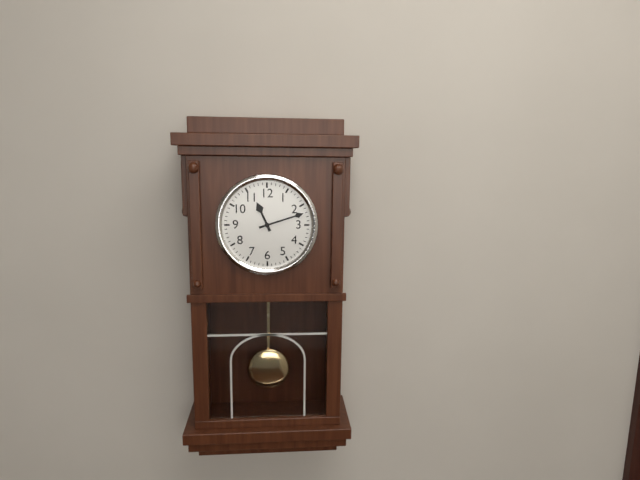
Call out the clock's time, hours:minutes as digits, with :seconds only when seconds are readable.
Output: 11:12
